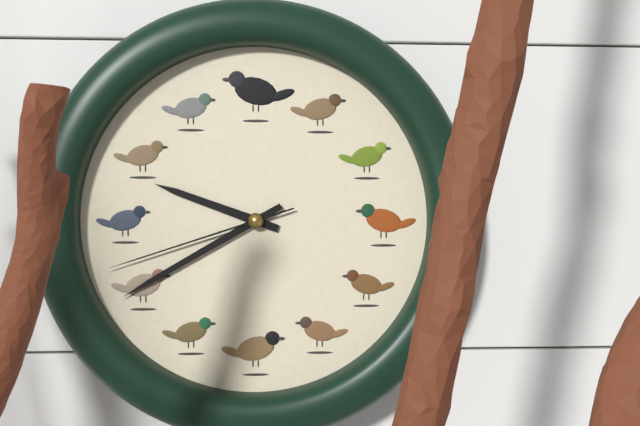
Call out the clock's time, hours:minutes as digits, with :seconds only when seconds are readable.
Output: 9:40:42
